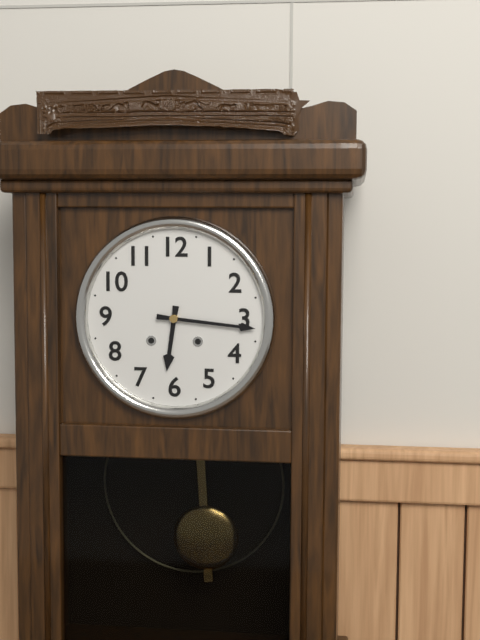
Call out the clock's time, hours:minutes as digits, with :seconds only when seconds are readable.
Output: 6:16
